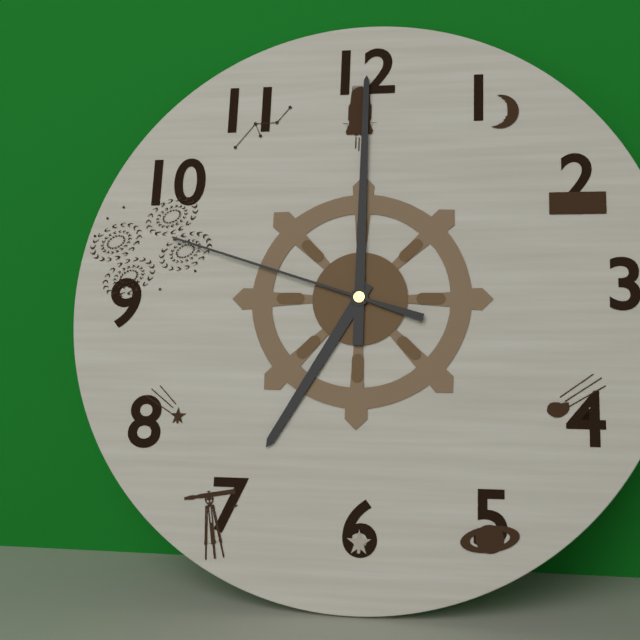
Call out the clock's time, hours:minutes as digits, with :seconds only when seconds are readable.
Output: 7:00:48
